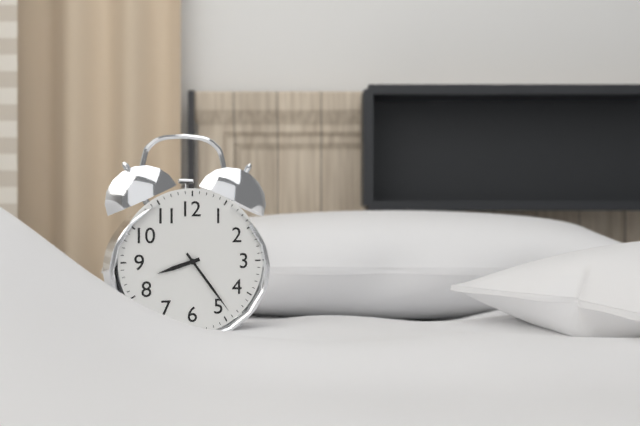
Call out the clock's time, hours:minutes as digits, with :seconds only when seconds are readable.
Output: 8:24
